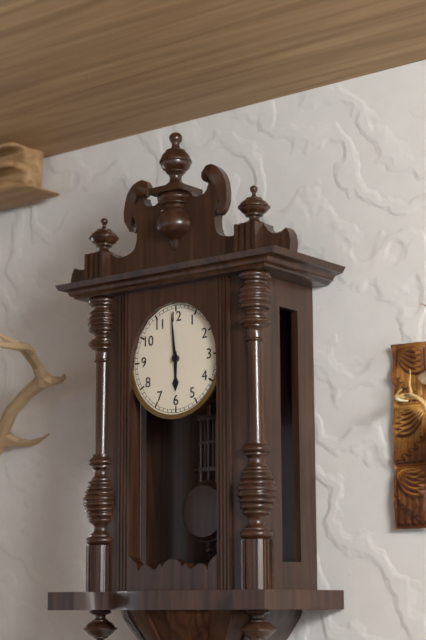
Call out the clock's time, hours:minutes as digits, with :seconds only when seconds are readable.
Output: 5:59
